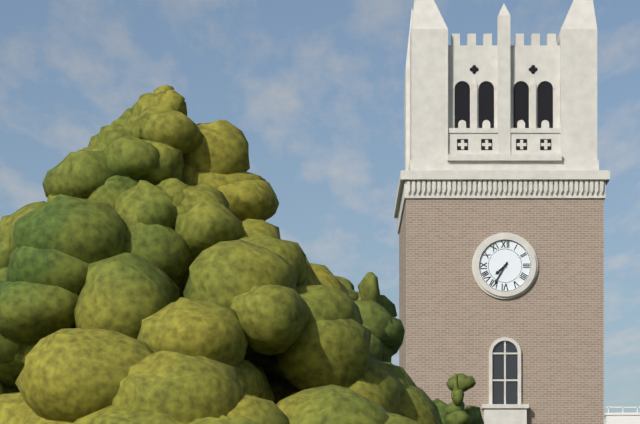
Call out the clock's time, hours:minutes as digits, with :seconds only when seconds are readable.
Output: 7:35
